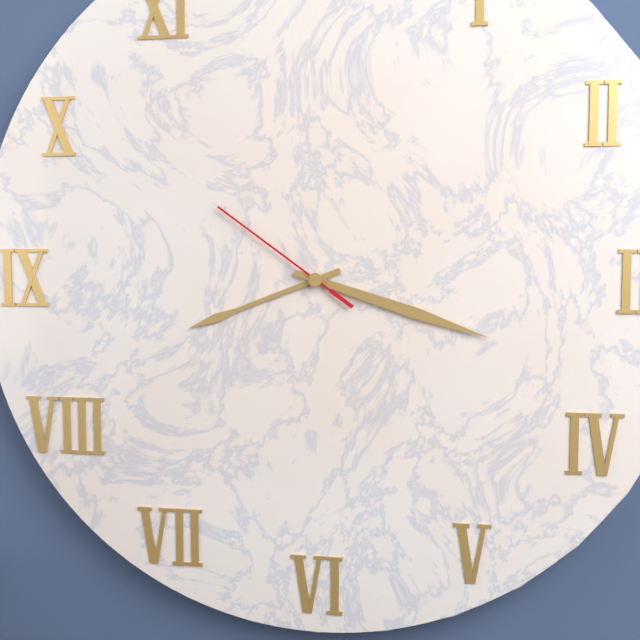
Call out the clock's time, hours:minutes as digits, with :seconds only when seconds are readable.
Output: 8:18:51
